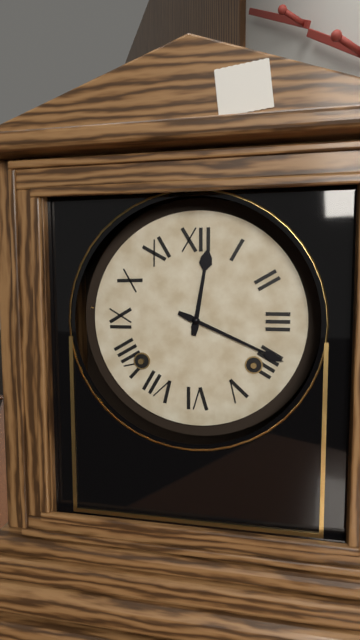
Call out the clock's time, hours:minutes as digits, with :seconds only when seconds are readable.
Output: 12:19
